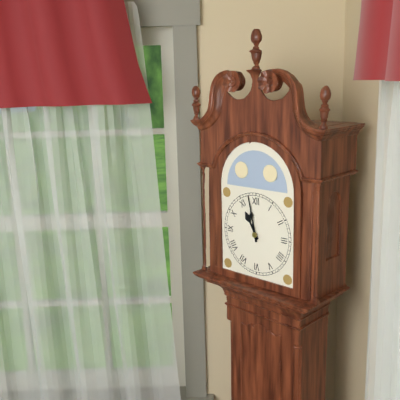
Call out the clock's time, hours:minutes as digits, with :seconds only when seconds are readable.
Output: 10:58
